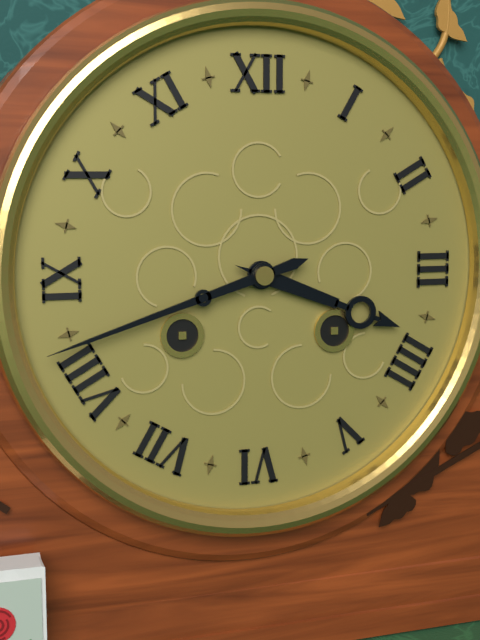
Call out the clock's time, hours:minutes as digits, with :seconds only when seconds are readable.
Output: 3:42
